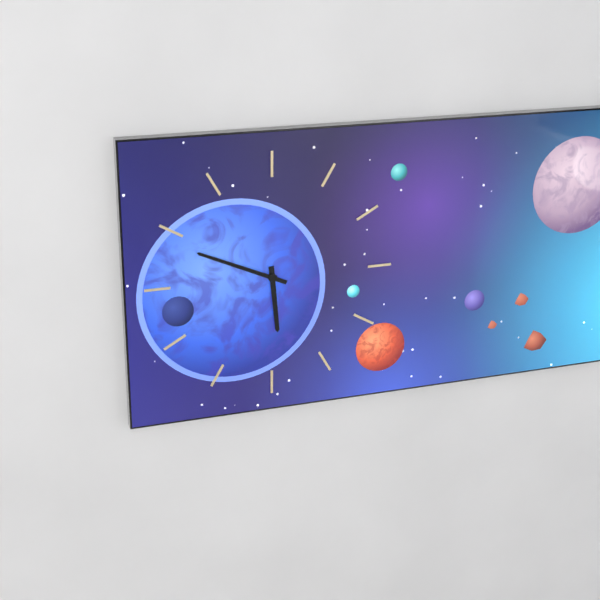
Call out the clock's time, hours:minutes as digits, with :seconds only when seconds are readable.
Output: 5:49
